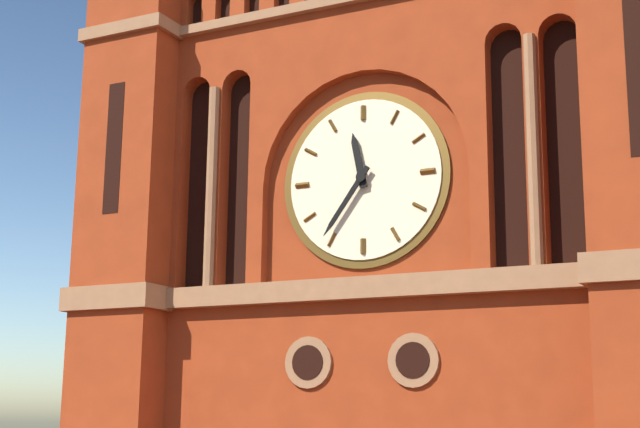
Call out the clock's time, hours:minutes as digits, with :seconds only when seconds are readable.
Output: 11:36
